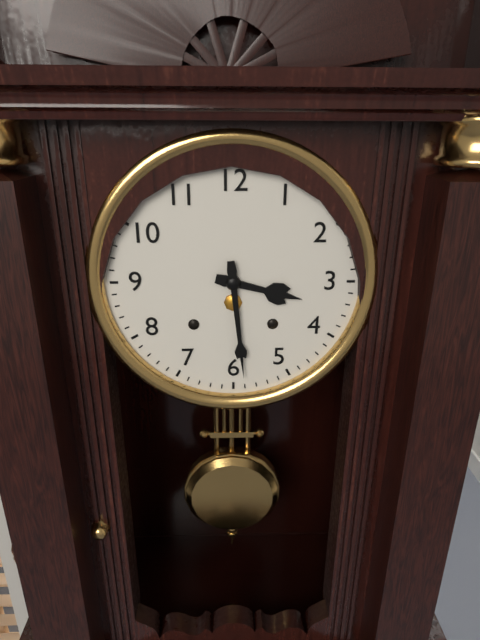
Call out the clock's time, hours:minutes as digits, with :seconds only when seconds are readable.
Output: 3:29
